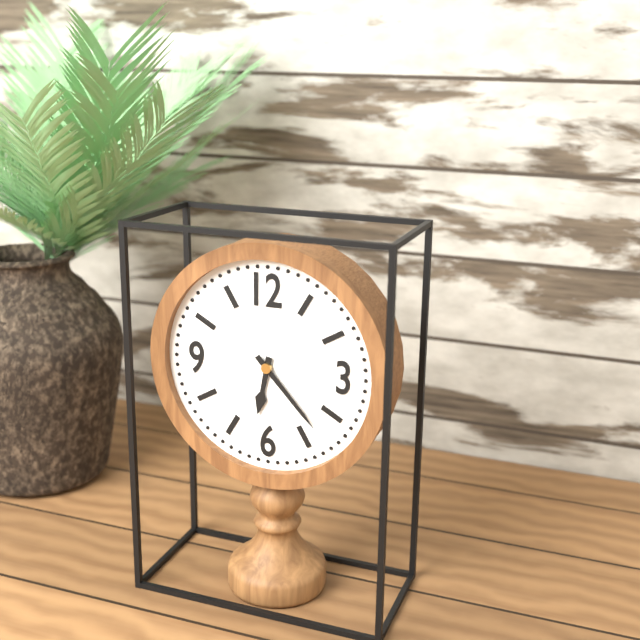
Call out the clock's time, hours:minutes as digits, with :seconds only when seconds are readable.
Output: 6:23
